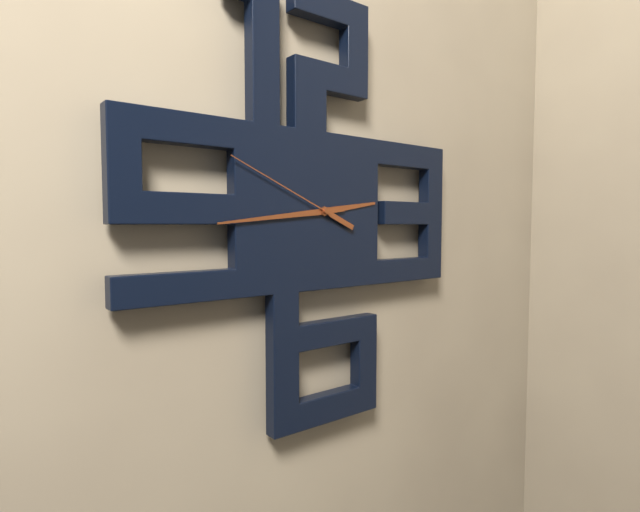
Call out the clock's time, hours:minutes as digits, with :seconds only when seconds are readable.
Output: 2:44:49
